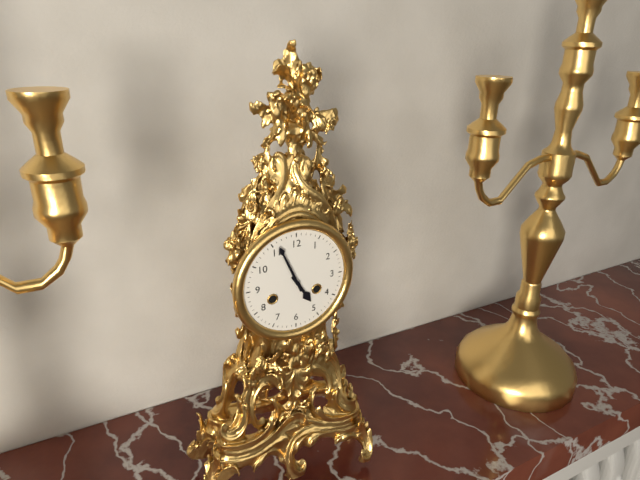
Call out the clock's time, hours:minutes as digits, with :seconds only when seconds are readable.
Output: 4:56
